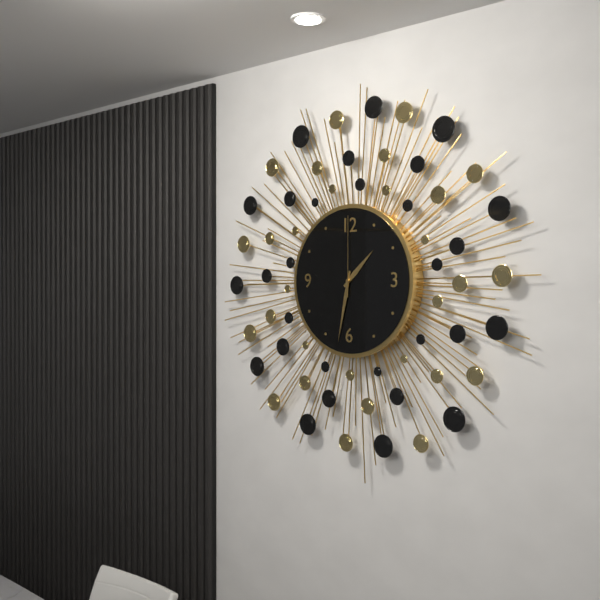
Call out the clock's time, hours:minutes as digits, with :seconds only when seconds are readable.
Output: 1:32:00
